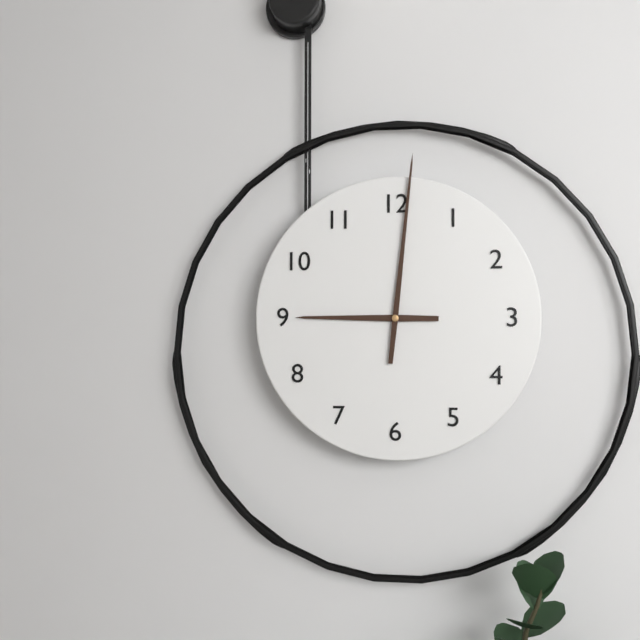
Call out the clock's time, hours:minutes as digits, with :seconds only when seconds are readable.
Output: 9:01
